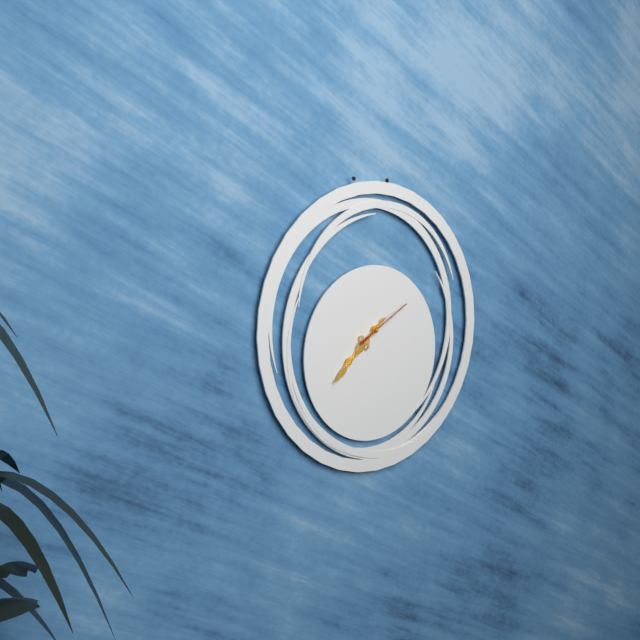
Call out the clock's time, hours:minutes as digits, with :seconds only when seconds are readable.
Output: 7:38:10
